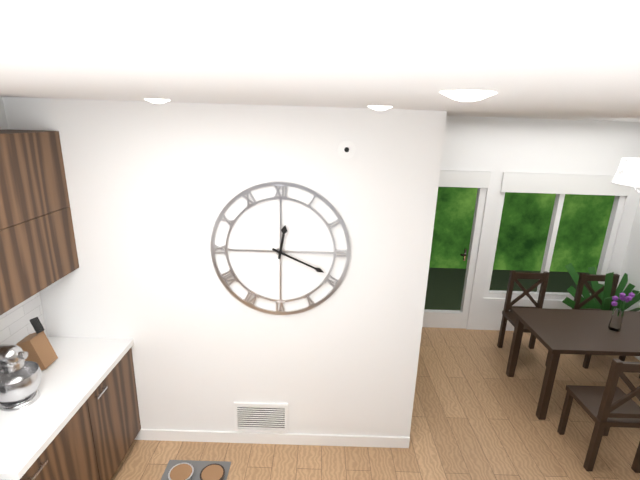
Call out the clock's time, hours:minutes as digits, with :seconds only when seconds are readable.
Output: 12:19
